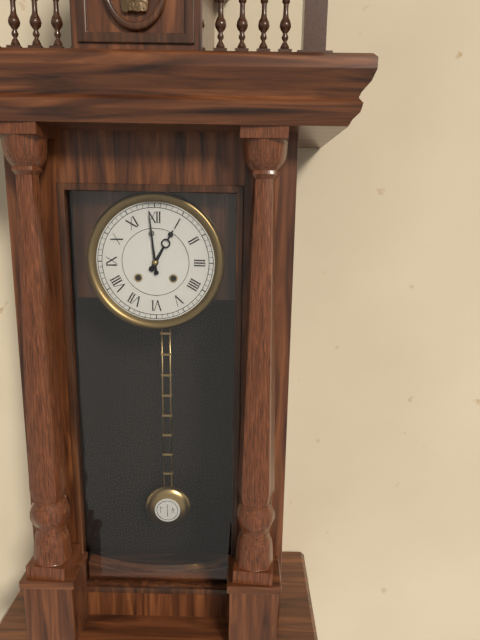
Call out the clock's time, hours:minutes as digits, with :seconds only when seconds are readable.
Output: 12:59
